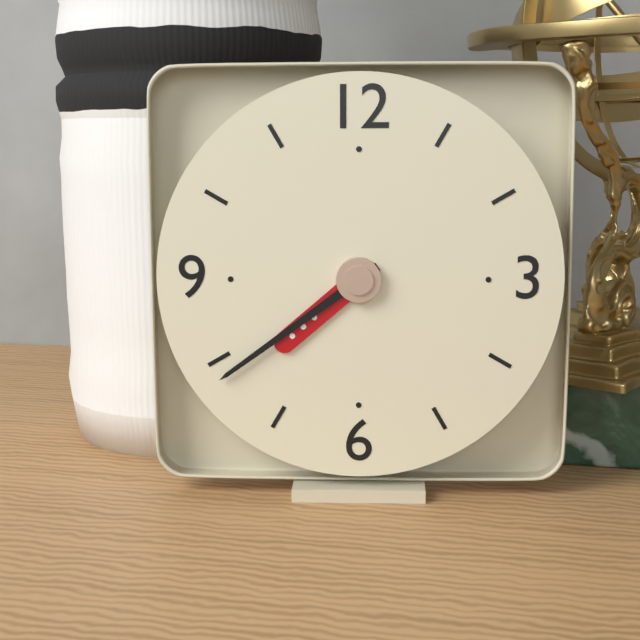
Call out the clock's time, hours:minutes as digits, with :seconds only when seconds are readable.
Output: 7:39
